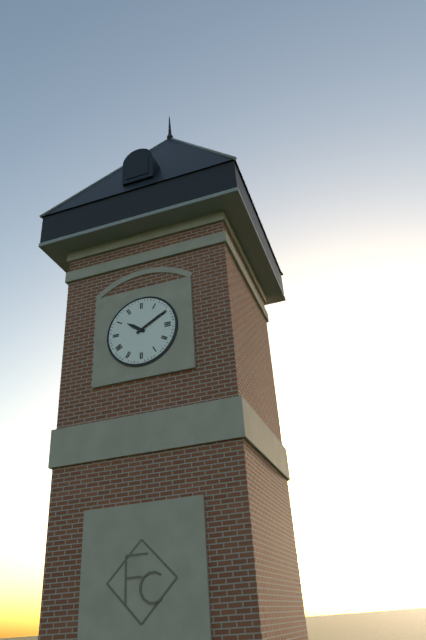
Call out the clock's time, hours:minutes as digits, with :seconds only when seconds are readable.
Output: 10:10
